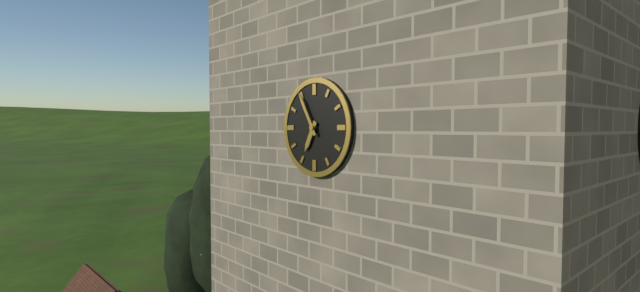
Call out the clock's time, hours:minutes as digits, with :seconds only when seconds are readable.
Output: 6:55
